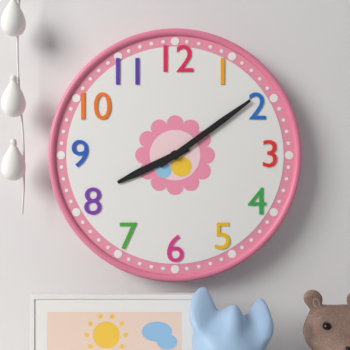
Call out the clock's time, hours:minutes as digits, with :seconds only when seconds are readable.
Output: 8:09
